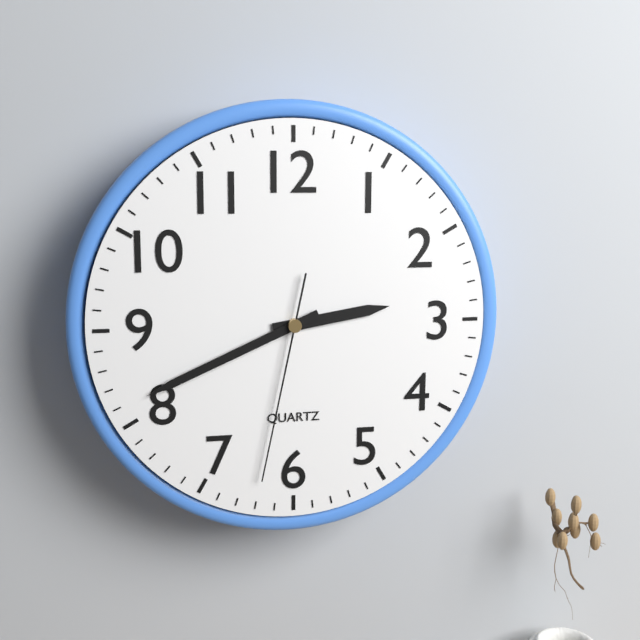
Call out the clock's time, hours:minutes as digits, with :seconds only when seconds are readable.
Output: 2:41:32
